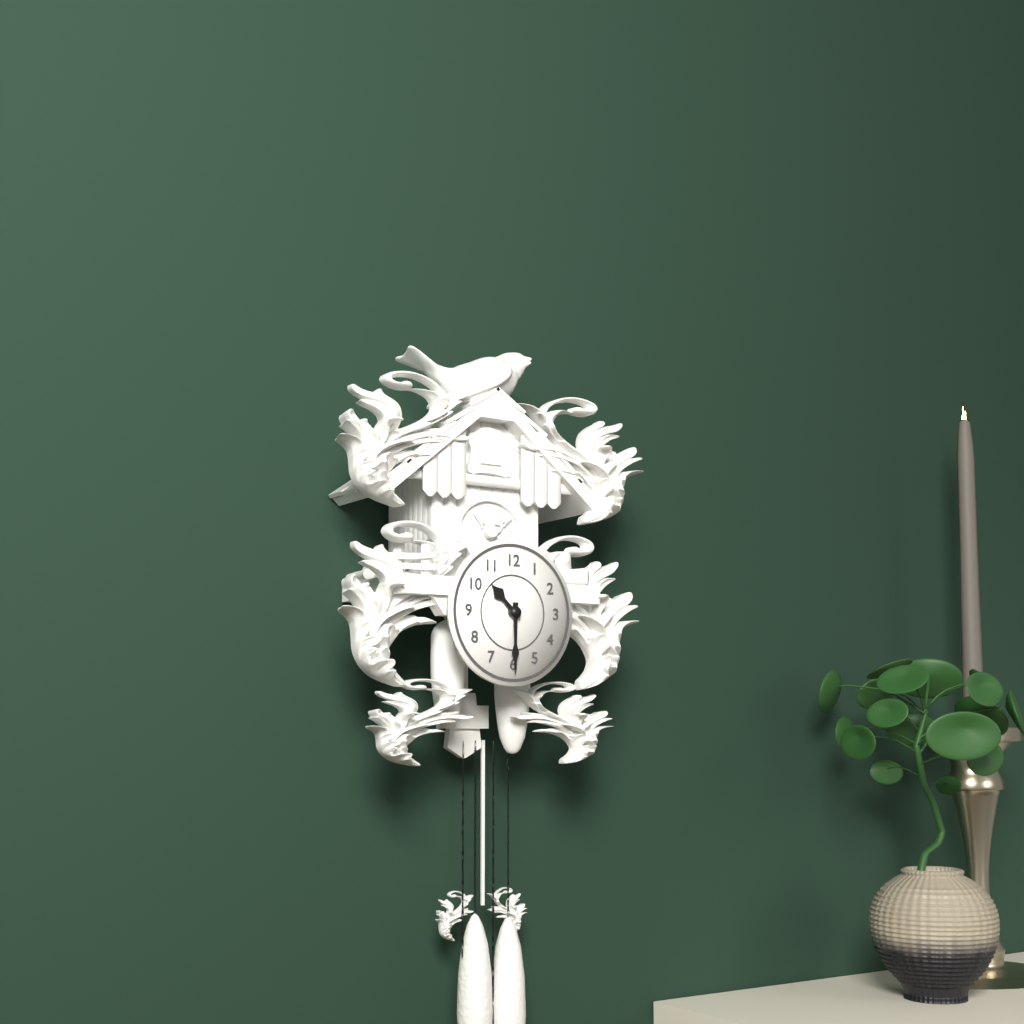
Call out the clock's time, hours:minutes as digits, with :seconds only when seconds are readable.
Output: 10:30
